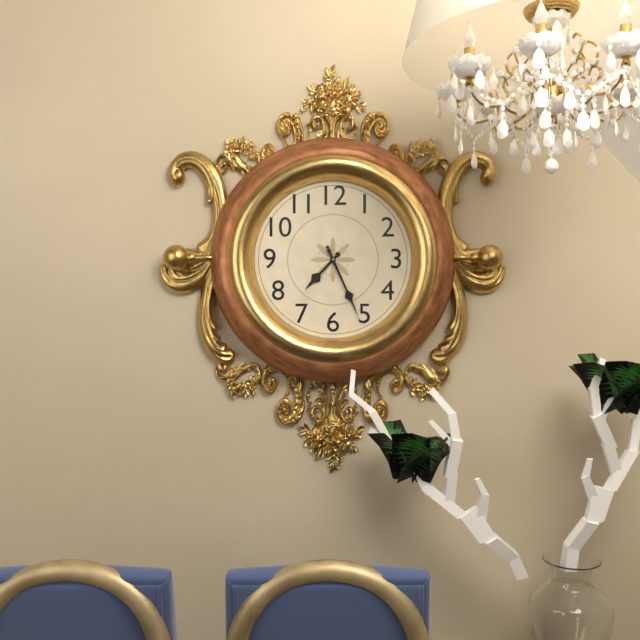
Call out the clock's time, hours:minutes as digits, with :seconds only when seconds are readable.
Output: 7:26:26
